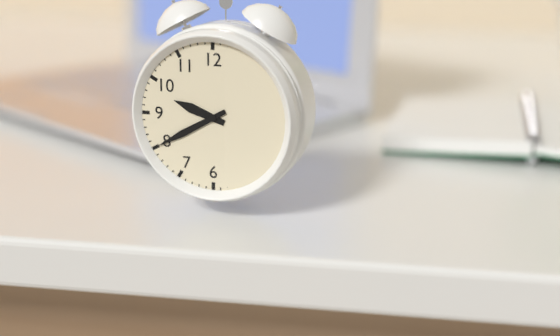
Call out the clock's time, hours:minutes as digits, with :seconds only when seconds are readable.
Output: 9:40
